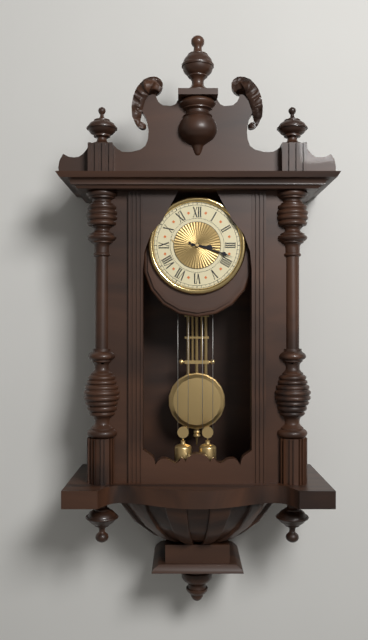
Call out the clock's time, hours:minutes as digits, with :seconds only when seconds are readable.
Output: 3:18
